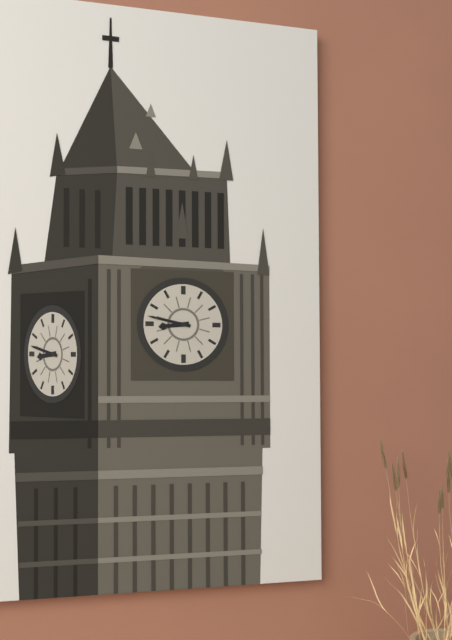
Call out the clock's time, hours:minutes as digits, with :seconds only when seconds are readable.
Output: 8:47
